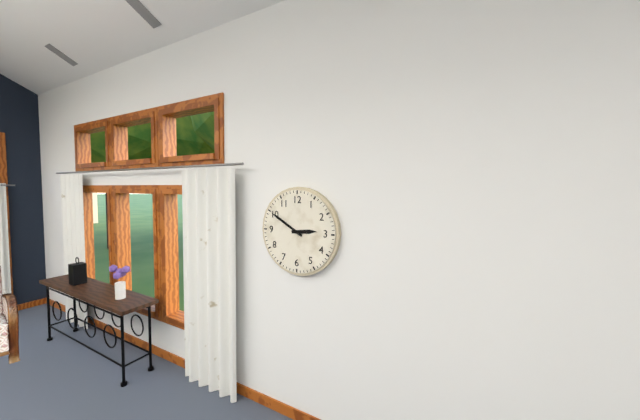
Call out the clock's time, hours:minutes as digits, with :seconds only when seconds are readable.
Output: 2:50
